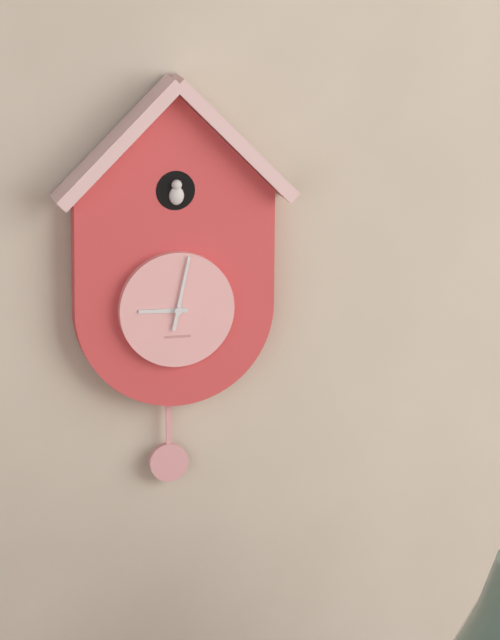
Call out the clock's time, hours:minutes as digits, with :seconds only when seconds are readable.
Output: 9:02
